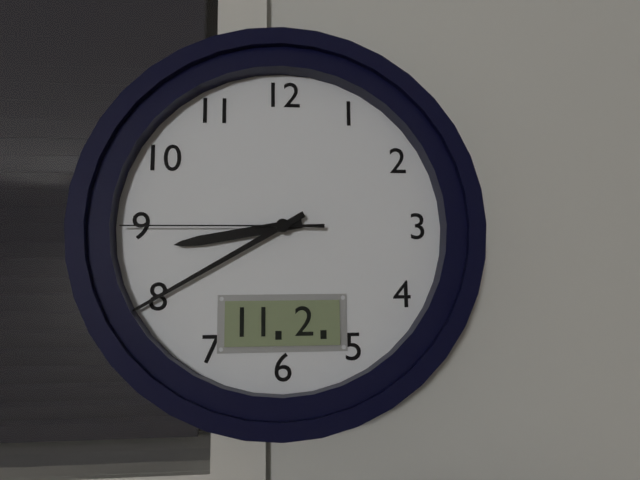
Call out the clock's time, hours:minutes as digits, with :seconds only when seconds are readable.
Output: 8:40:45
